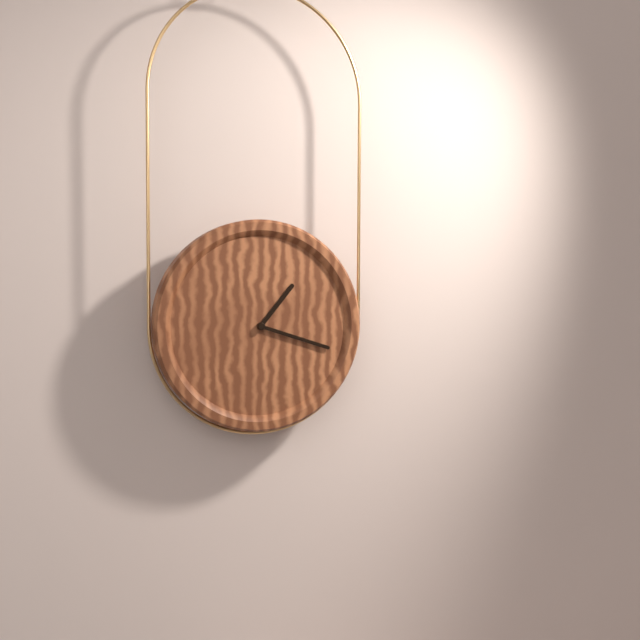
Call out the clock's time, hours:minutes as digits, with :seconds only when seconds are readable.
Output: 1:18
